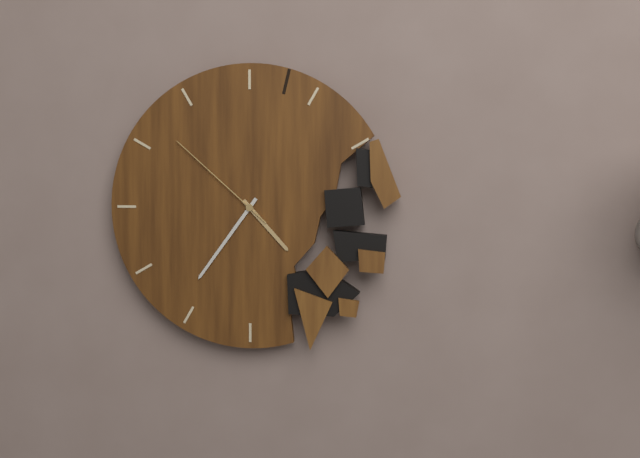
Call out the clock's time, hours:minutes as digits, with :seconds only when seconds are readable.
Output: 4:36:52
